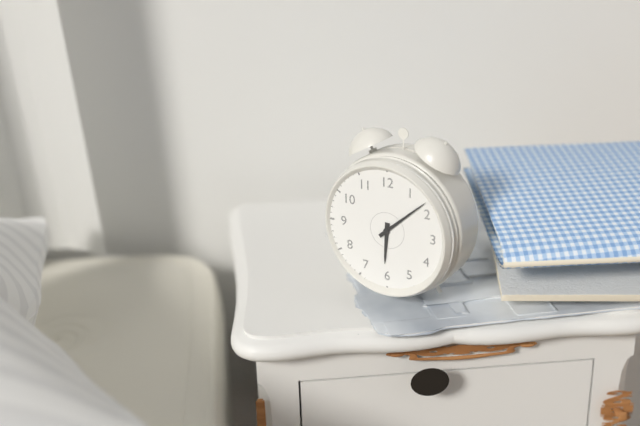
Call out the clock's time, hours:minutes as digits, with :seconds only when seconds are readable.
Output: 6:08
